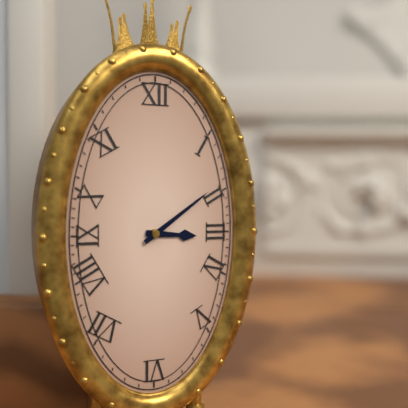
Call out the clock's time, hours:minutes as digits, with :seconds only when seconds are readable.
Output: 3:09
